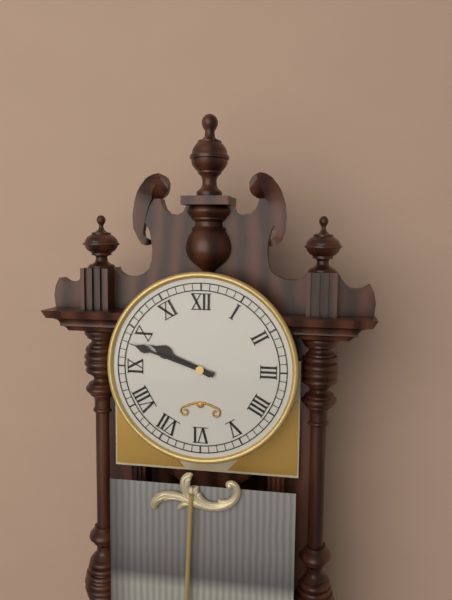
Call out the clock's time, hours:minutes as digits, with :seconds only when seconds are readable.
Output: 9:48
